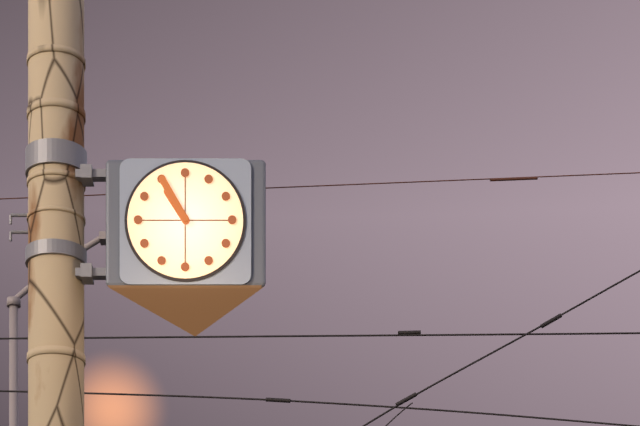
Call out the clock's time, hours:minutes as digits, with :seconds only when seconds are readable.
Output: 10:55
